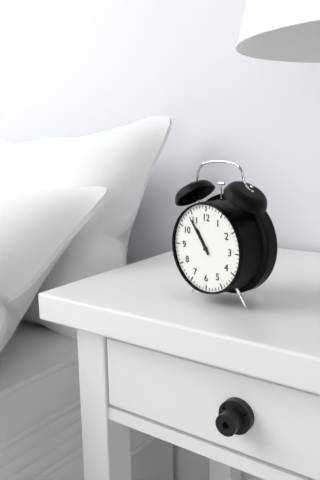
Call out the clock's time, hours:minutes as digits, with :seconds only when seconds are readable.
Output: 10:54
